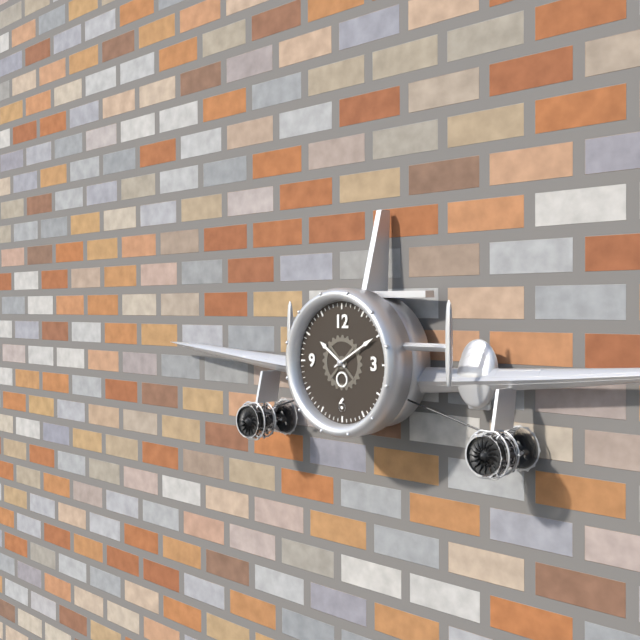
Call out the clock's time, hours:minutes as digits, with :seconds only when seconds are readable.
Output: 10:10
